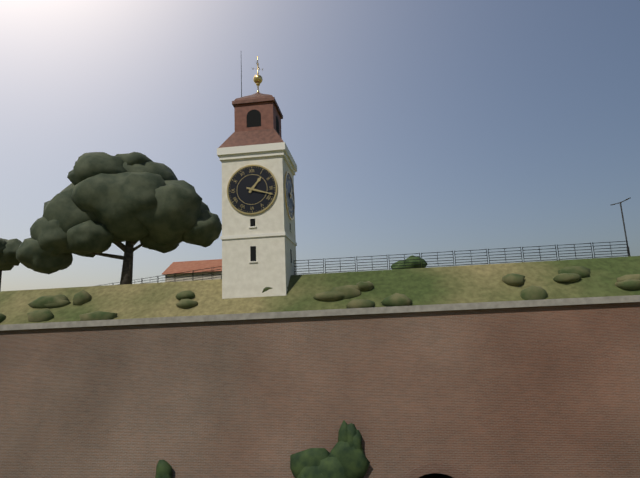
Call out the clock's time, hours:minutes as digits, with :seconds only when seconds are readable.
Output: 1:18
